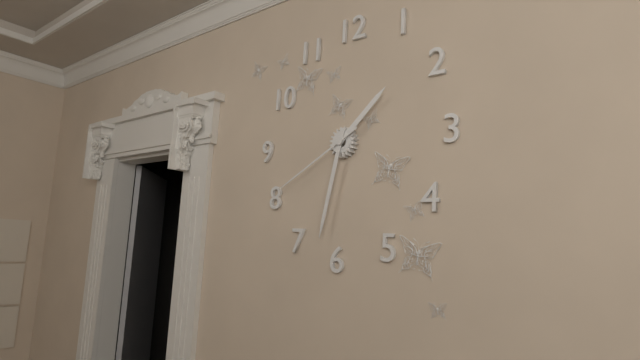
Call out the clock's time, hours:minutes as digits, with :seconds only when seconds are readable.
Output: 1:32:40
